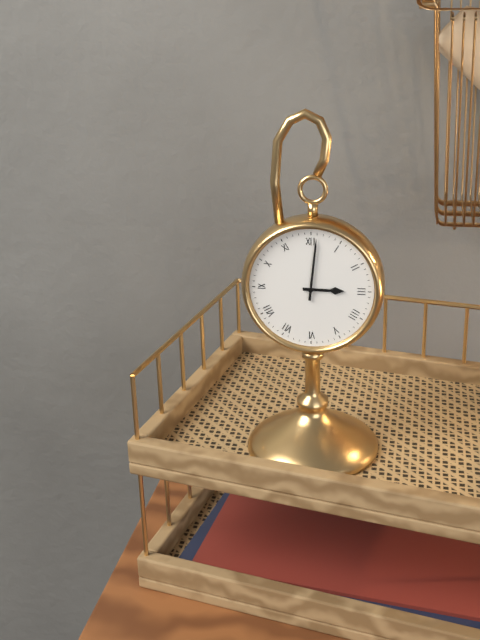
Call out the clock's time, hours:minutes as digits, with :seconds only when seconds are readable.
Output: 3:01
